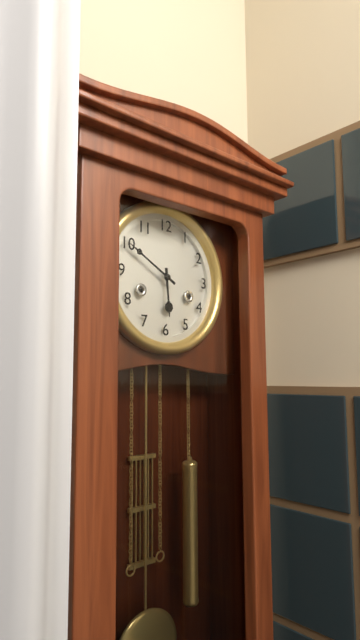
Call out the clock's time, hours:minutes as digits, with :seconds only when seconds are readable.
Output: 5:50
